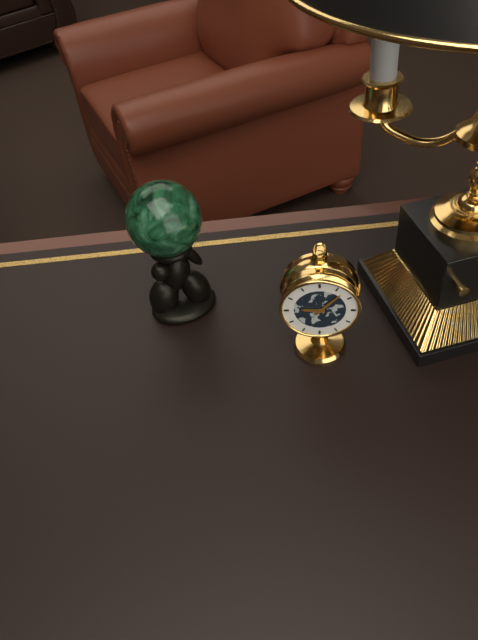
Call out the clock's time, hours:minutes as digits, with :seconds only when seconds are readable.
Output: 9:07
